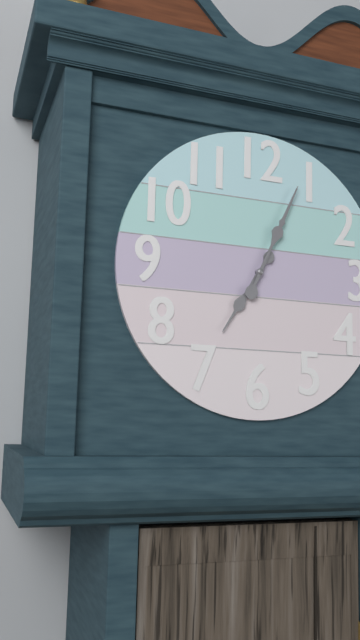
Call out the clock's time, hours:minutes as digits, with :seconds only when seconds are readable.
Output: 7:04
